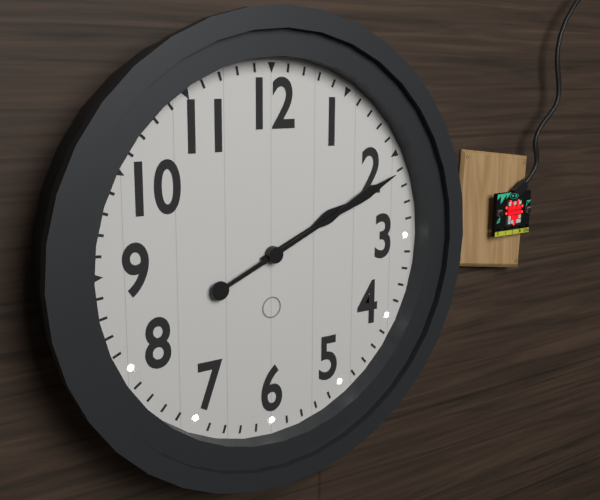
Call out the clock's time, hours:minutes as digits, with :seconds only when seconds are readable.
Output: 2:11
